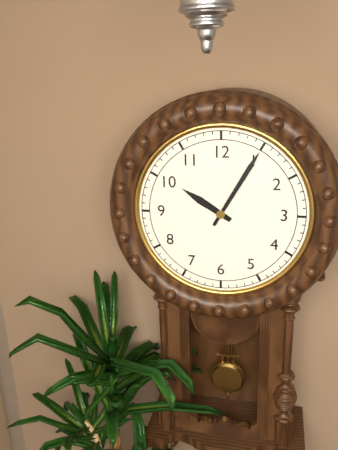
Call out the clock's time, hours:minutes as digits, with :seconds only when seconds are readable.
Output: 10:05
